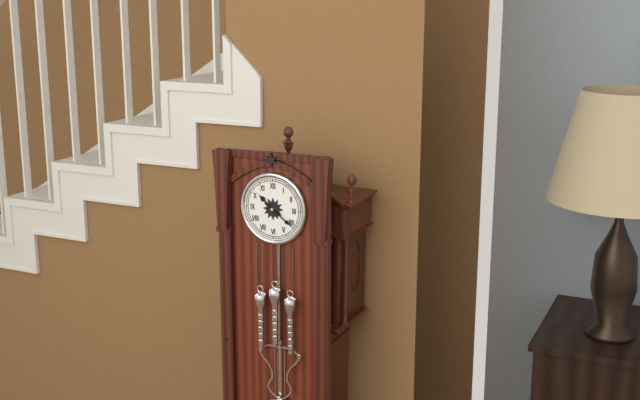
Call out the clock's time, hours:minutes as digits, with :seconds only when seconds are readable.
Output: 10:21
